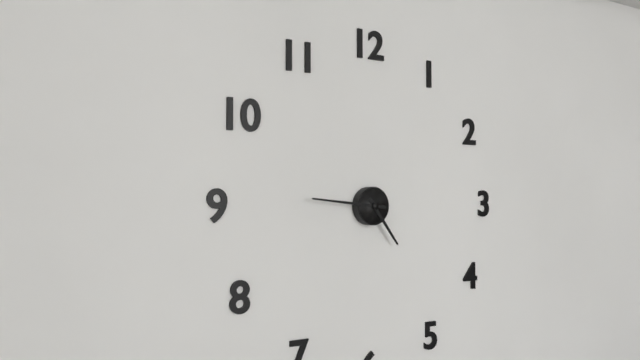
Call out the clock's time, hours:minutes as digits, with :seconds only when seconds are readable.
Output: 4:46
